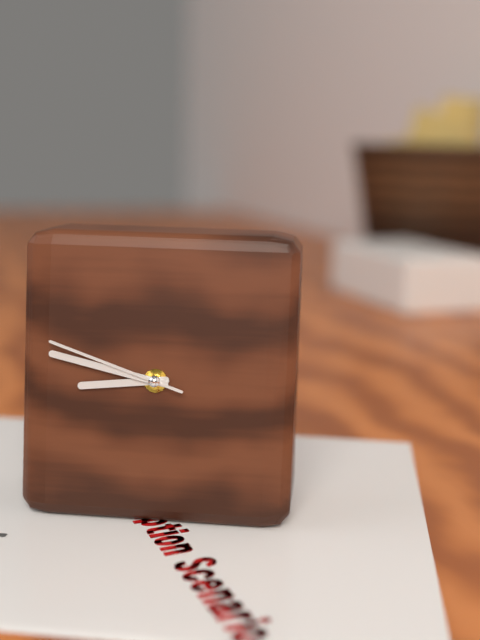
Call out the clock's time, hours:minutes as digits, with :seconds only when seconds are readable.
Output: 8:47:48
